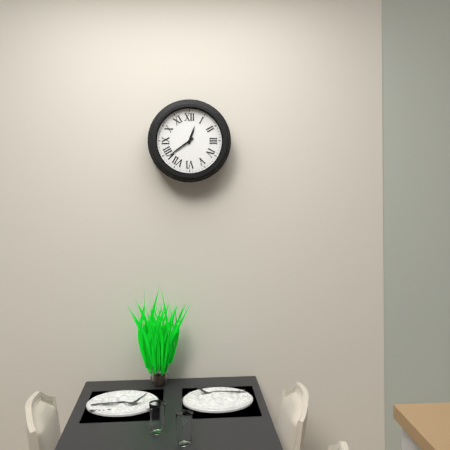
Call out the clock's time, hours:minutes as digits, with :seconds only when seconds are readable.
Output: 12:39
